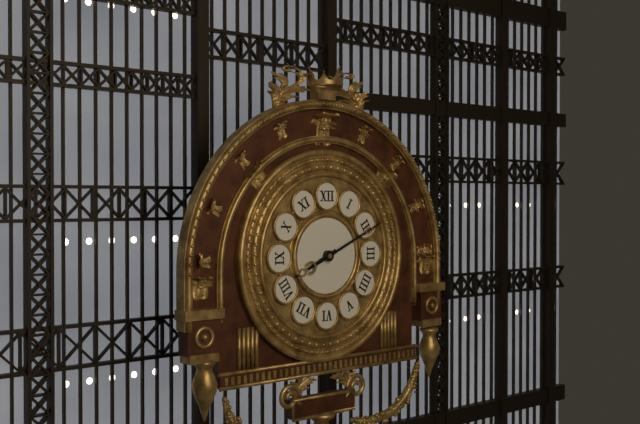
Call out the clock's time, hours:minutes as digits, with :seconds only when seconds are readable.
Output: 8:11
